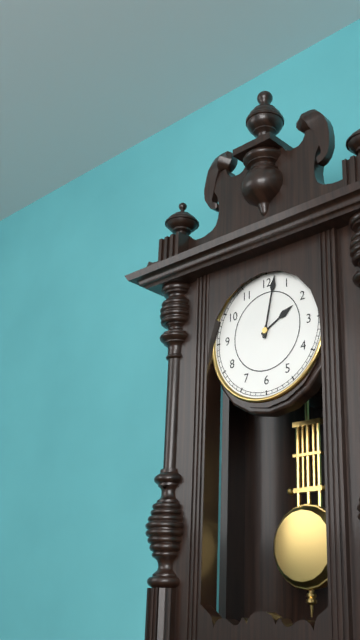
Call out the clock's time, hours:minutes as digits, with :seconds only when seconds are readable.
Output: 2:02
